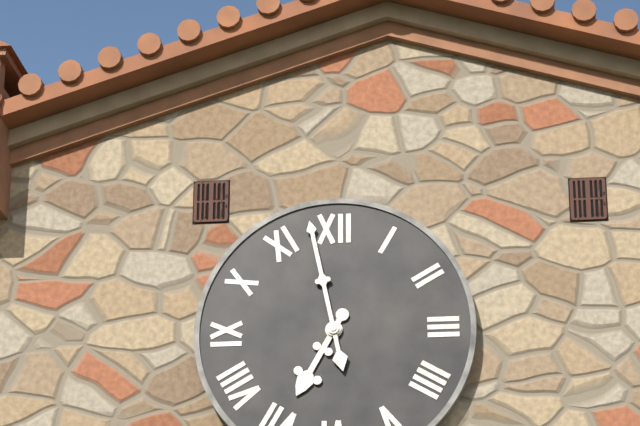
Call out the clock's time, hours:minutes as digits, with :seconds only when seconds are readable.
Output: 6:58
